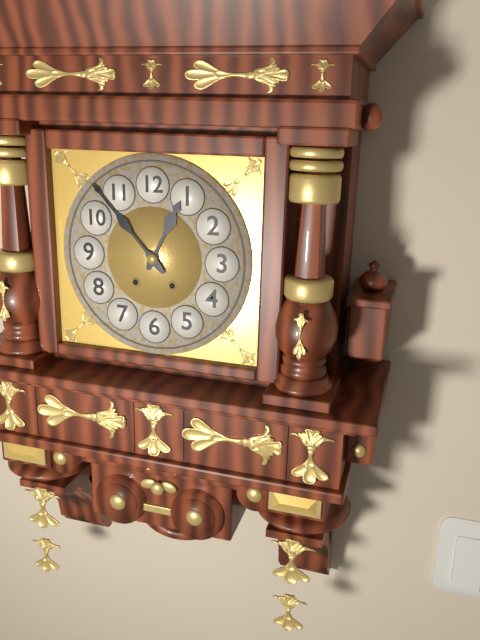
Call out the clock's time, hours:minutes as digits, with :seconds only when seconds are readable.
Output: 12:53
